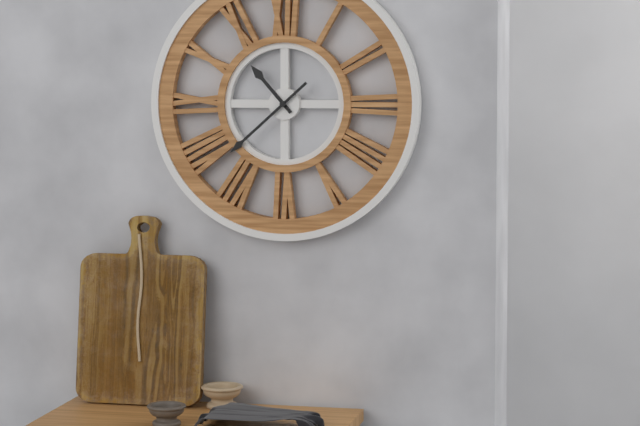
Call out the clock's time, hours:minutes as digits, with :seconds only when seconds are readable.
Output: 10:38
